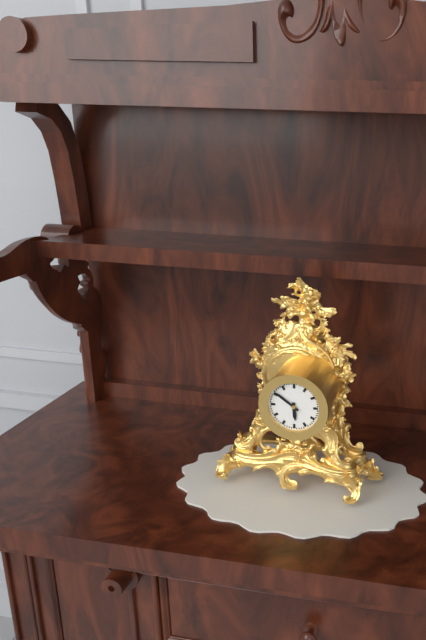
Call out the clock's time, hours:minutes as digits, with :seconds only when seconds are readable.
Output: 5:51
